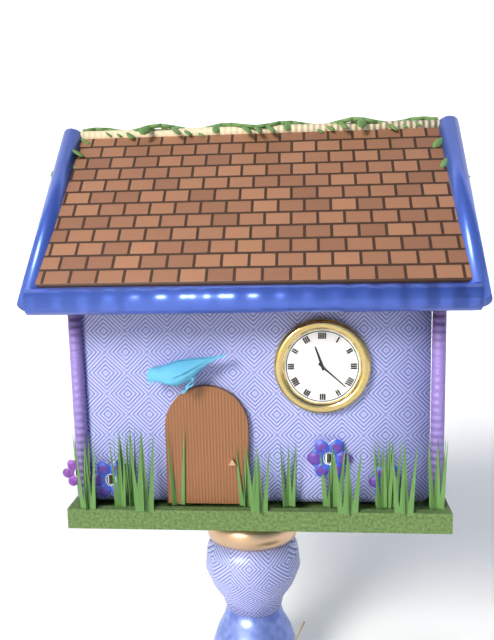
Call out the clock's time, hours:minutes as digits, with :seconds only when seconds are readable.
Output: 11:22
